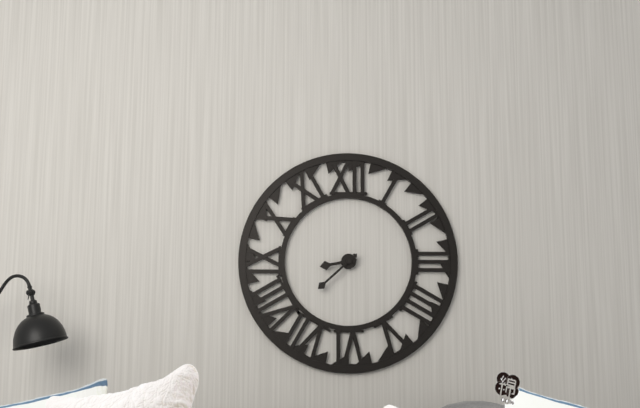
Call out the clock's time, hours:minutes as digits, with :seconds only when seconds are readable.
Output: 8:38
